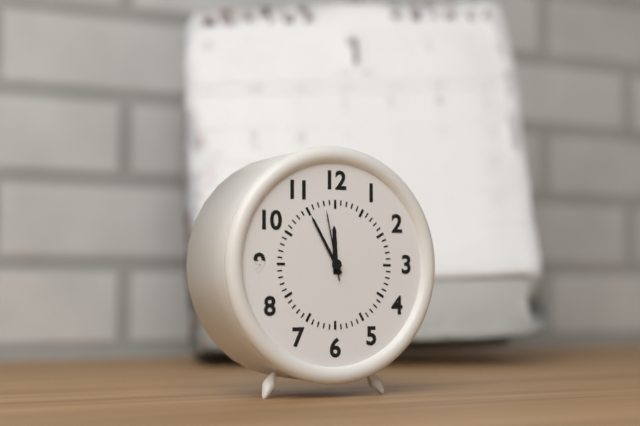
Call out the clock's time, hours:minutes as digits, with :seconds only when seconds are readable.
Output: 11:55:58
